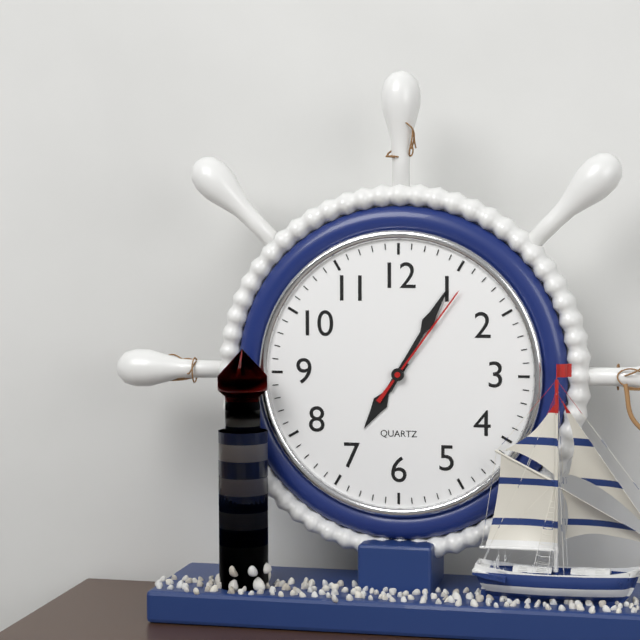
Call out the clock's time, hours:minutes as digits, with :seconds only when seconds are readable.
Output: 7:05:06
